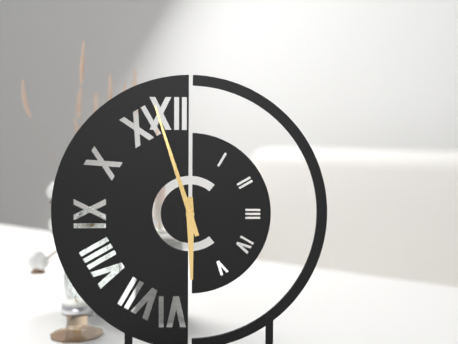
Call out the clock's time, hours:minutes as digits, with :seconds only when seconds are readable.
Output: 5:57
